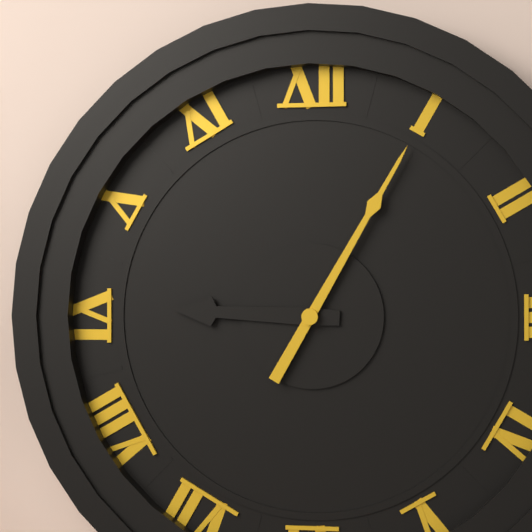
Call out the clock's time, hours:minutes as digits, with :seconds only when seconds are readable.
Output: 9:05
